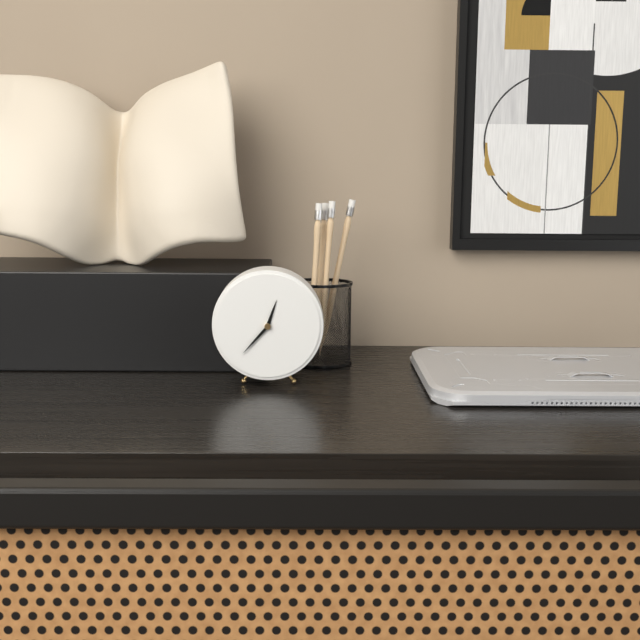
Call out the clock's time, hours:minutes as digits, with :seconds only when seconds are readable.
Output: 12:37
